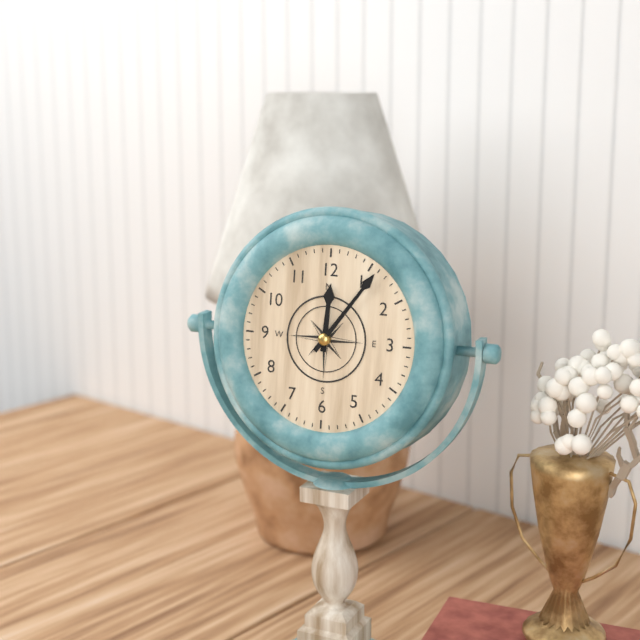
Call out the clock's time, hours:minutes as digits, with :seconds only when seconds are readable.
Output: 12:06
